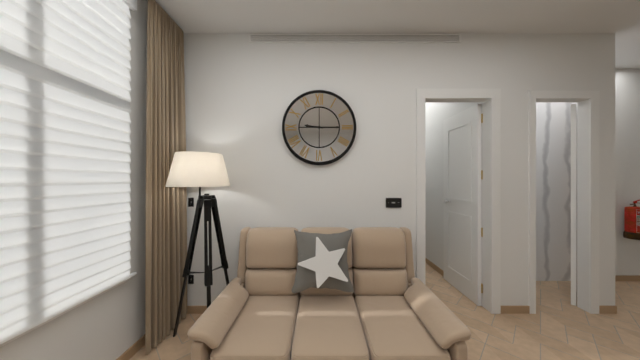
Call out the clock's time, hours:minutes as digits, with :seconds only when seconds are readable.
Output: 9:15
